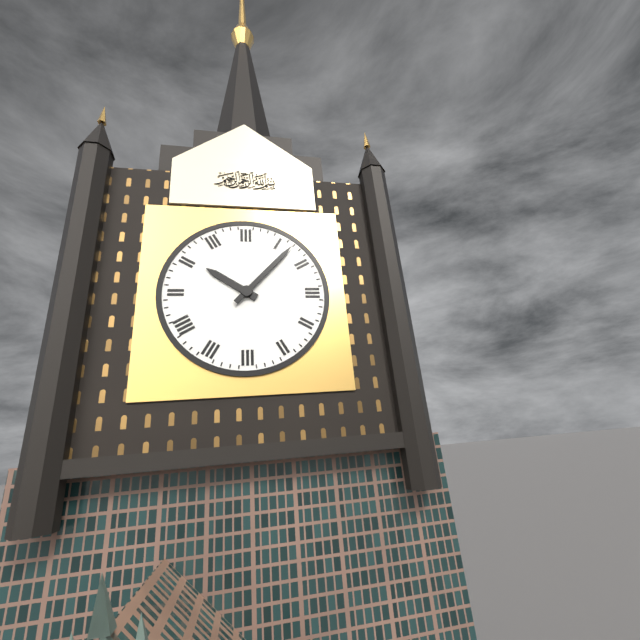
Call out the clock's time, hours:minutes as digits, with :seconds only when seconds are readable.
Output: 10:07
